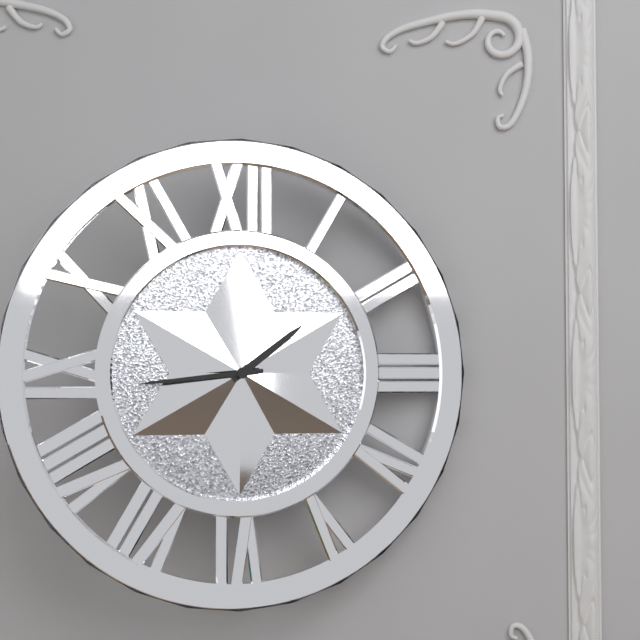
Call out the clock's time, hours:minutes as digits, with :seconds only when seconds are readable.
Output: 1:44
